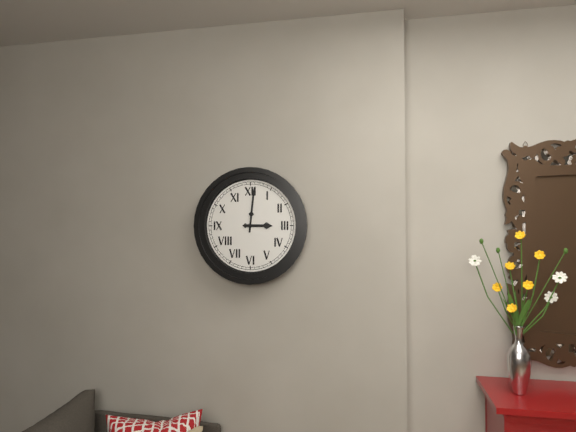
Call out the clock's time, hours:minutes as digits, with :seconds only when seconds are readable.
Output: 3:01
